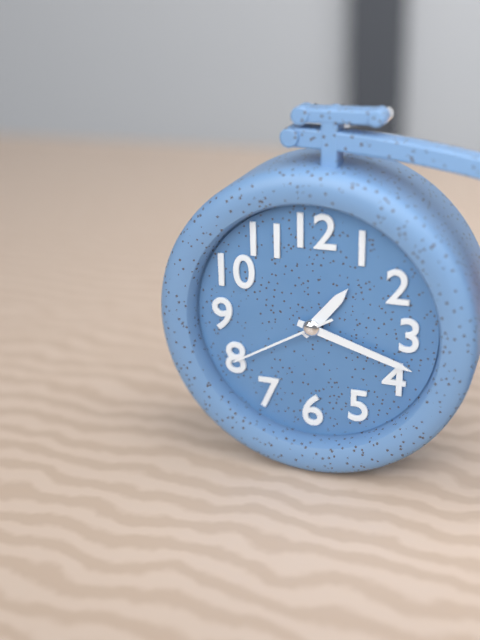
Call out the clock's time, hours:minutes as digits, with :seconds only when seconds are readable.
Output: 1:18:40
